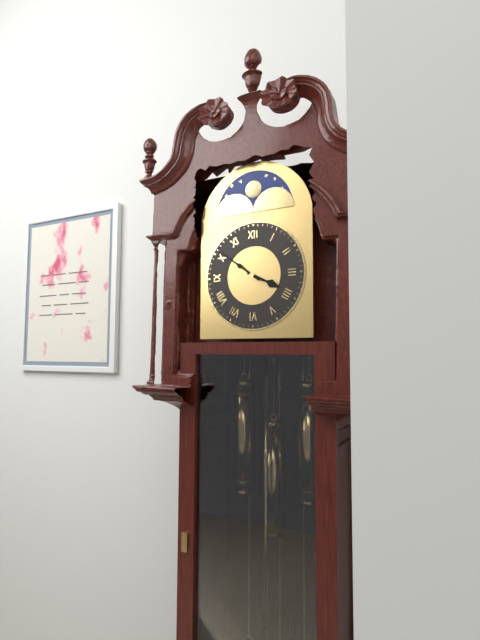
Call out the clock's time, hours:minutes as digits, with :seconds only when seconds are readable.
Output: 3:51
